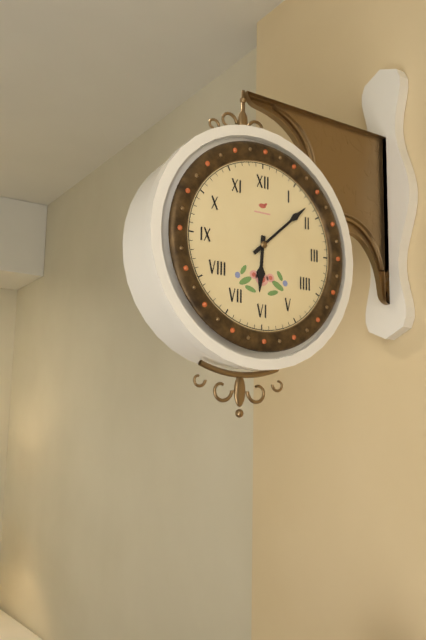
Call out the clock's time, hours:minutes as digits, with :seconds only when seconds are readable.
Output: 6:08
